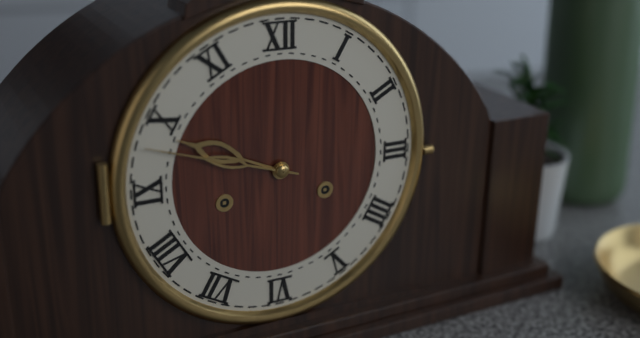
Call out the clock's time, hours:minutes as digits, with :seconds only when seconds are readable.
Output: 9:48
